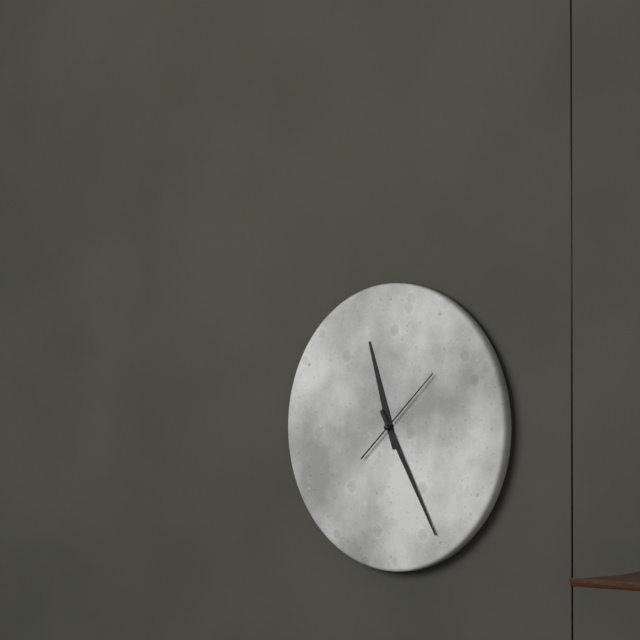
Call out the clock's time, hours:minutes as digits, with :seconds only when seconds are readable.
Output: 11:25:08
